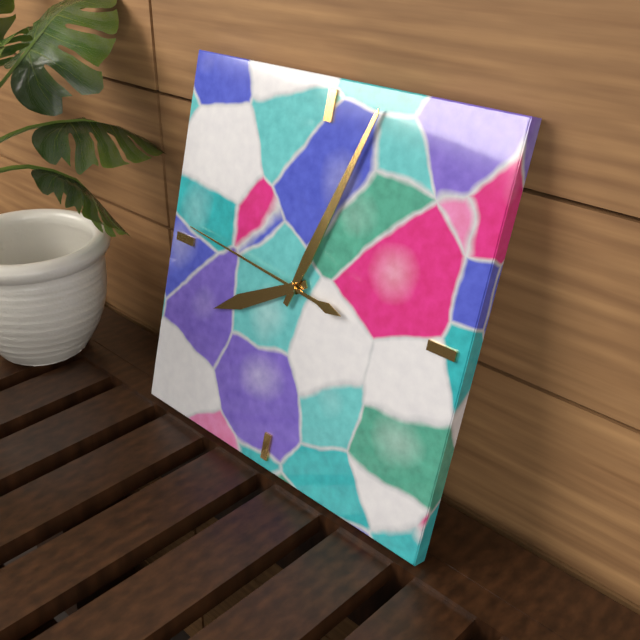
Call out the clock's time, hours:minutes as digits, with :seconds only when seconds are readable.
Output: 8:03:46
